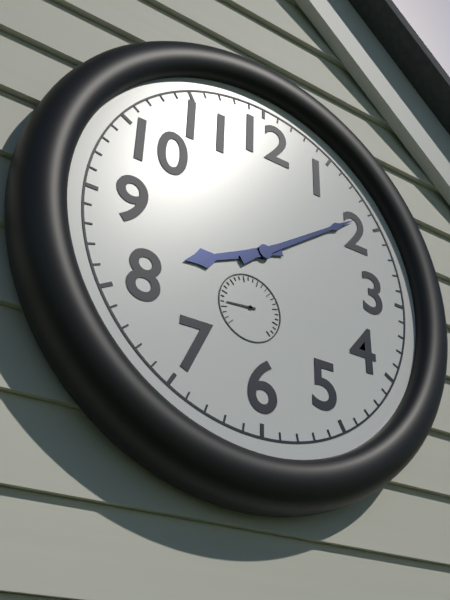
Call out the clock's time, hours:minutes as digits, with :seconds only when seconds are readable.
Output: 8:09
